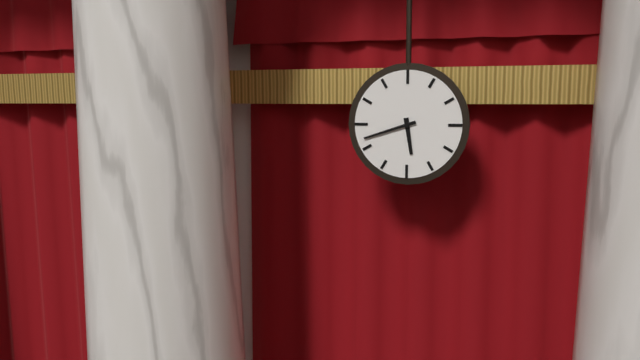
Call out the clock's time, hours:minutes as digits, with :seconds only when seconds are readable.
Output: 5:42
